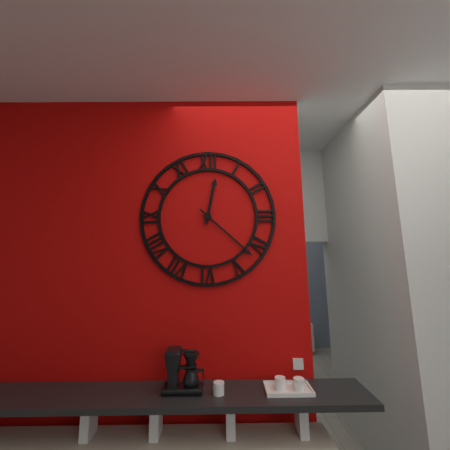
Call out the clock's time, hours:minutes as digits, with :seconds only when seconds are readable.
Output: 12:22
